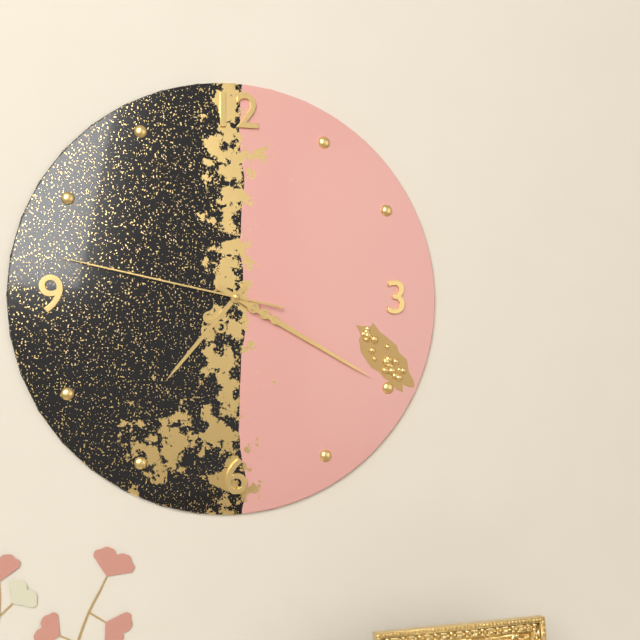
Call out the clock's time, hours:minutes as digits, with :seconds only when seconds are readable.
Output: 7:20:47
